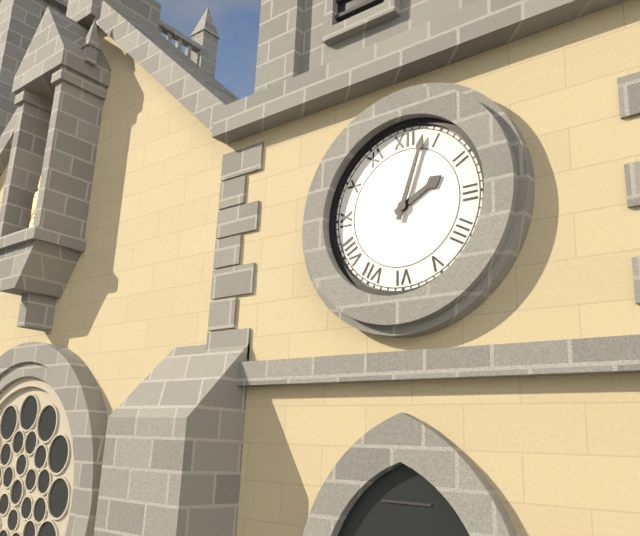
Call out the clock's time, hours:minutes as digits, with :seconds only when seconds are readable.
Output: 2:03
